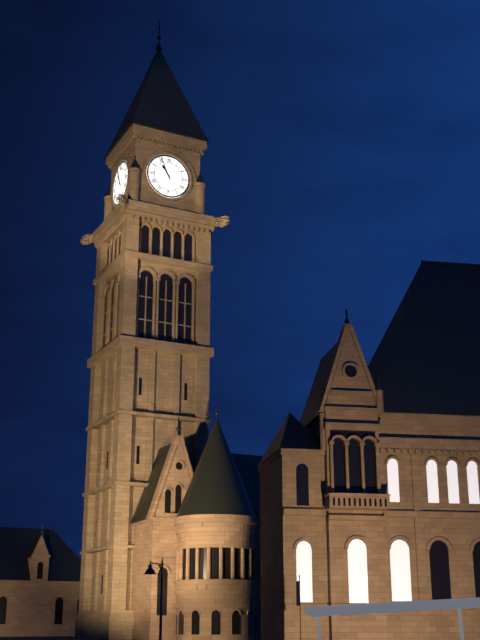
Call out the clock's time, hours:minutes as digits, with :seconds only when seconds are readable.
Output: 10:56
